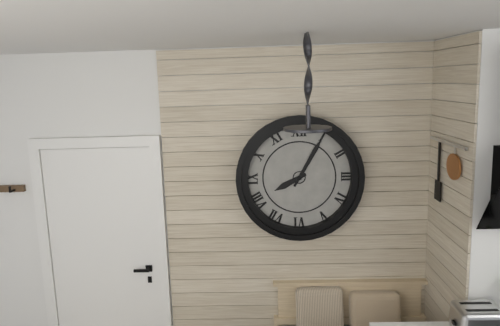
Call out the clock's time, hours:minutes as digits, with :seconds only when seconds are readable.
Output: 8:05
